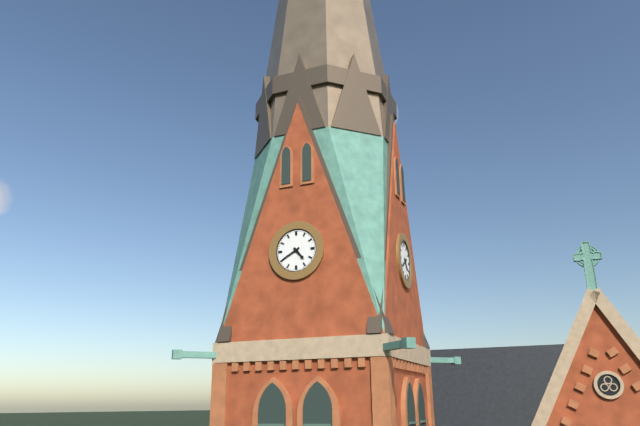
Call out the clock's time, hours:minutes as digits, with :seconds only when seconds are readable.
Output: 4:40
